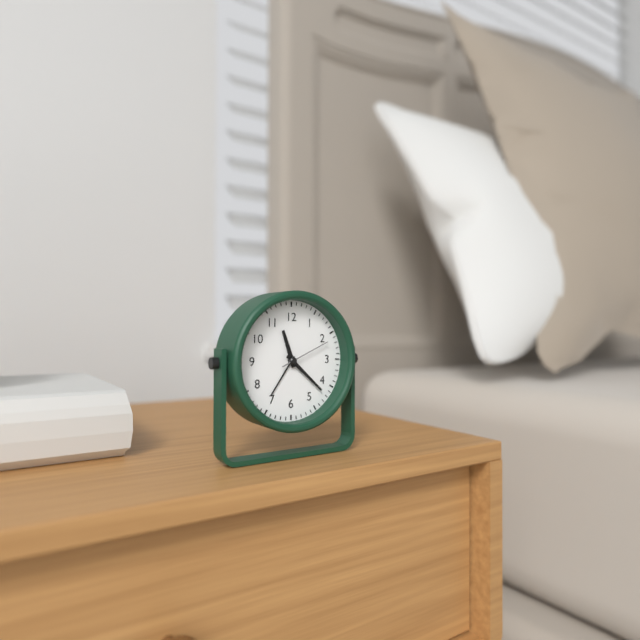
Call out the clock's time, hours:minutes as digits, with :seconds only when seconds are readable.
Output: 11:22
